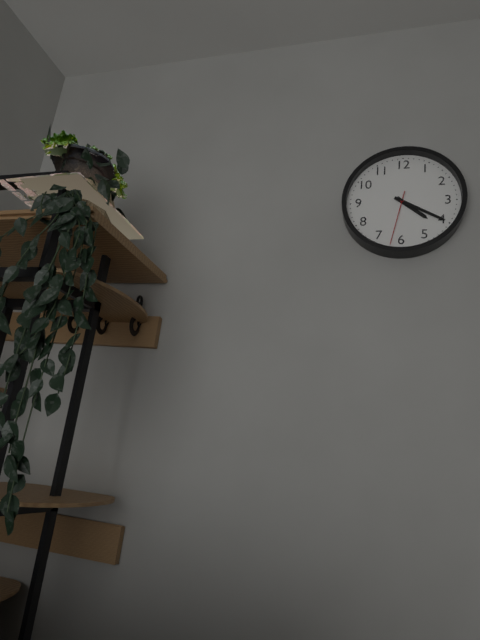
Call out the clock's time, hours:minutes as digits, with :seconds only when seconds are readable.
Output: 4:20:32
